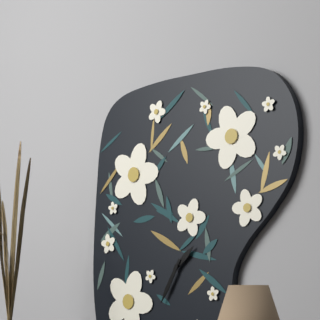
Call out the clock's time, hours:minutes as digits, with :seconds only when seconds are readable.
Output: 1:35
